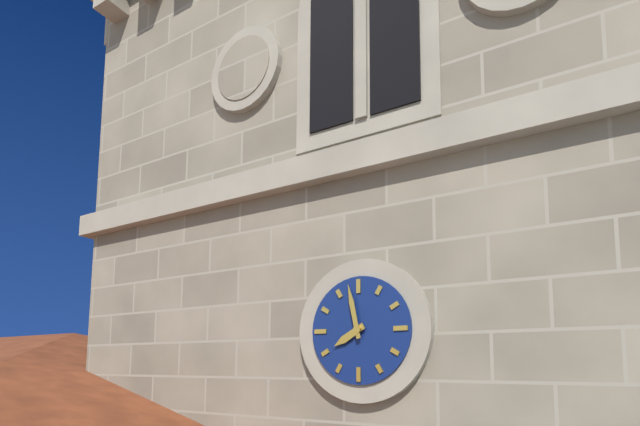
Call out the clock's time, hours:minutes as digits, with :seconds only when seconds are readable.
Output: 7:58
